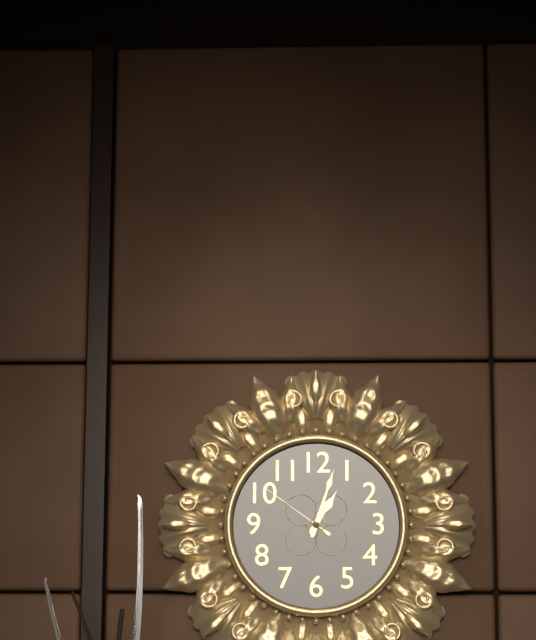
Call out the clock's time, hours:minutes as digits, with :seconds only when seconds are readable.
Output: 1:03:51
